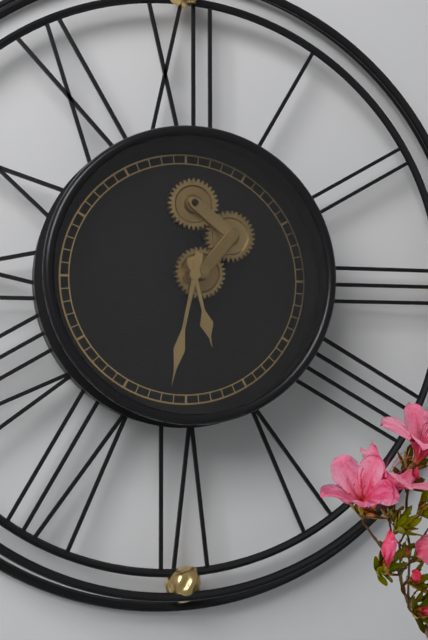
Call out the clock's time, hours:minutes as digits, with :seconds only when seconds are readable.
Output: 5:32
